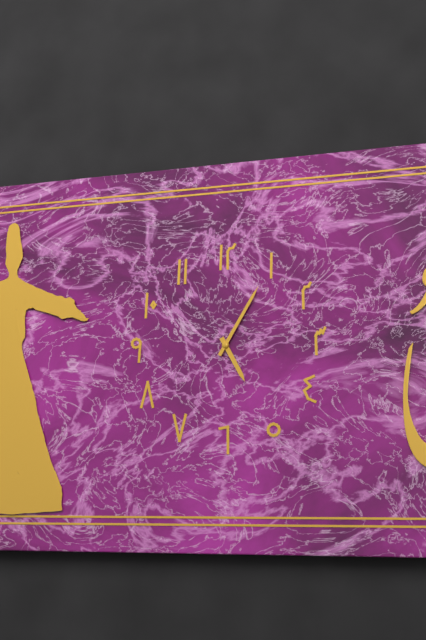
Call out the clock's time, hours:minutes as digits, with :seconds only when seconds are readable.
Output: 5:05
